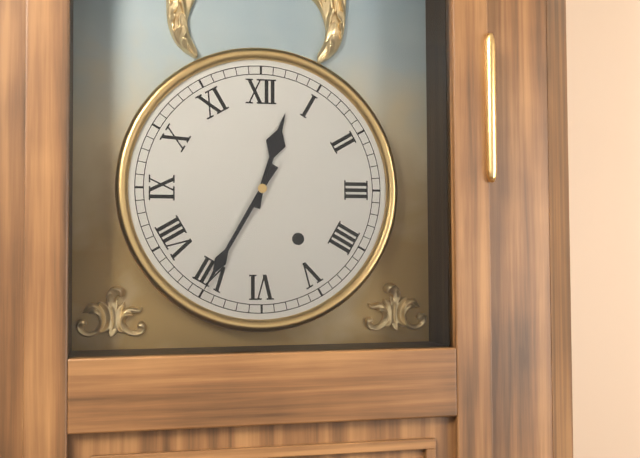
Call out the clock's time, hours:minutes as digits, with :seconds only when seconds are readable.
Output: 12:35
